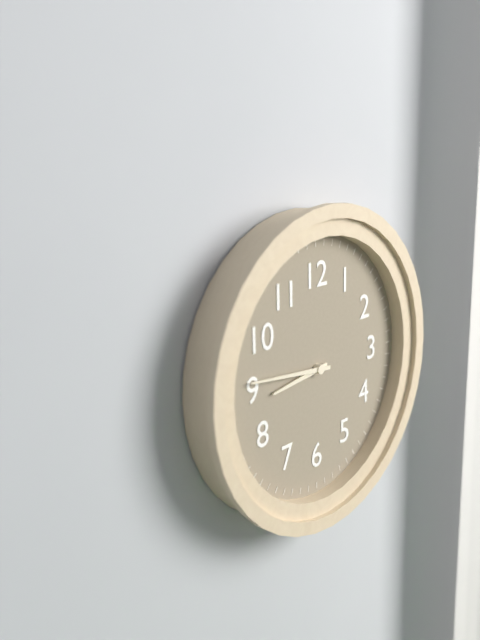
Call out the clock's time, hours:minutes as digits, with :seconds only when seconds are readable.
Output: 8:46
